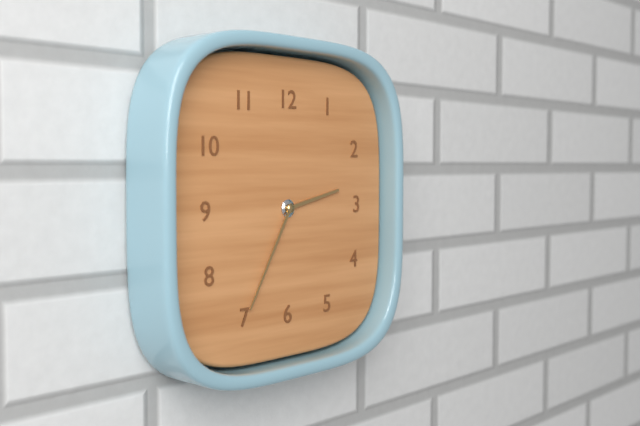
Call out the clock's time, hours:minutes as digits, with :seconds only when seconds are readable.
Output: 2:35
